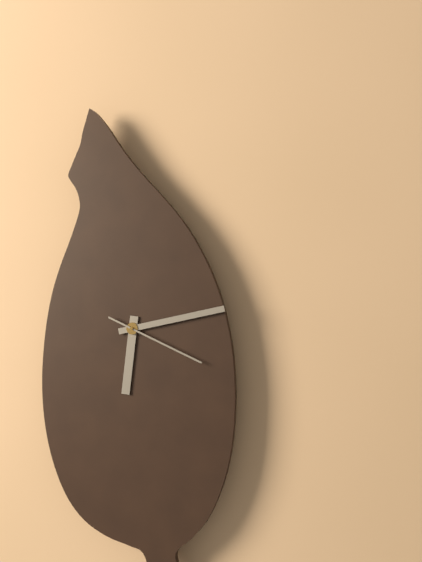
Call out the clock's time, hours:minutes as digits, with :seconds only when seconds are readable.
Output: 6:13:19
